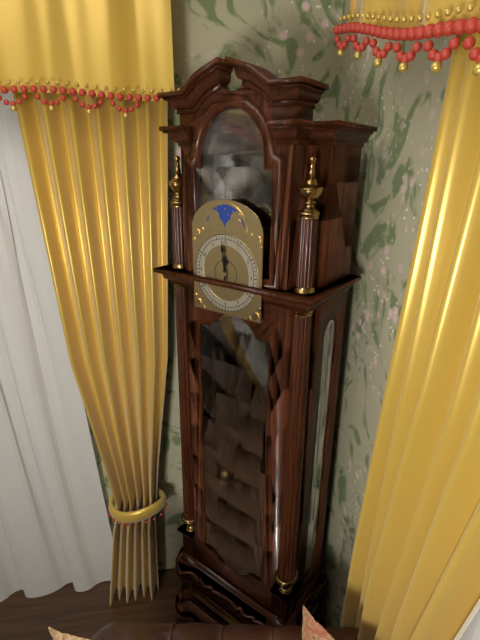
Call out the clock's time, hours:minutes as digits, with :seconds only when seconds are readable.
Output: 11:59
